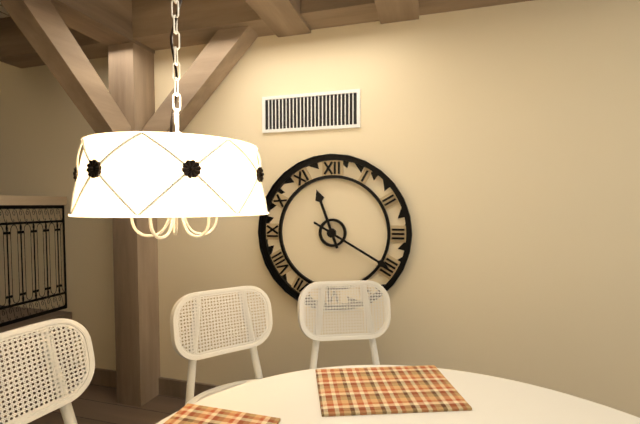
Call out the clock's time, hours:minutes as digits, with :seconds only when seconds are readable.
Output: 11:20
